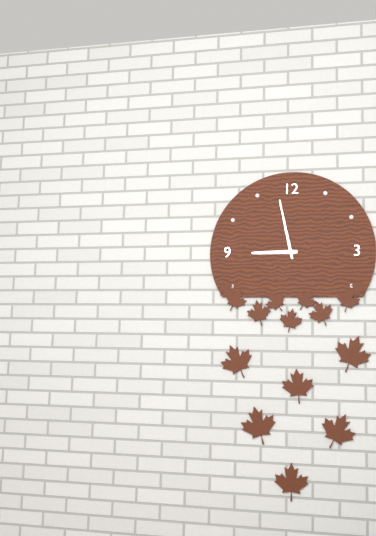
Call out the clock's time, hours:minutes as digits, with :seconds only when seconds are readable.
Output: 8:58
